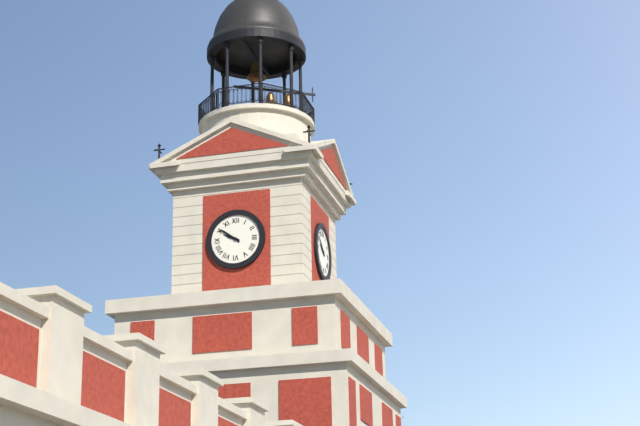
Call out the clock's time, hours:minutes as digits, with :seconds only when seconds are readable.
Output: 9:51
